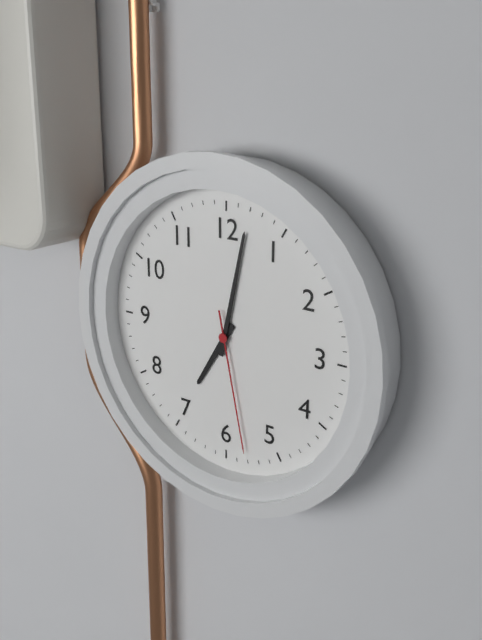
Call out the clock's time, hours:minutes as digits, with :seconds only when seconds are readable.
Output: 7:02:28
